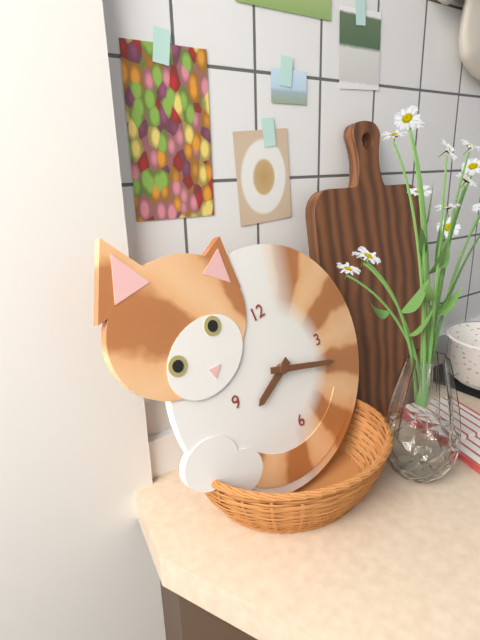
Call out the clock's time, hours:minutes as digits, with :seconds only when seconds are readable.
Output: 8:19
